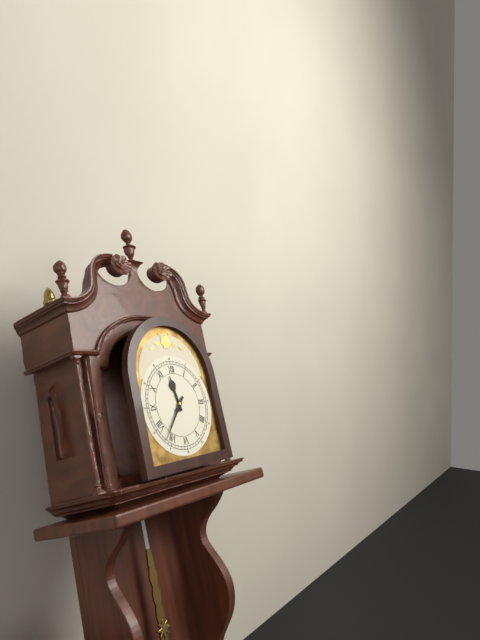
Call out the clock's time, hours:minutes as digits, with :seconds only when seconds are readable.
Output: 11:37
